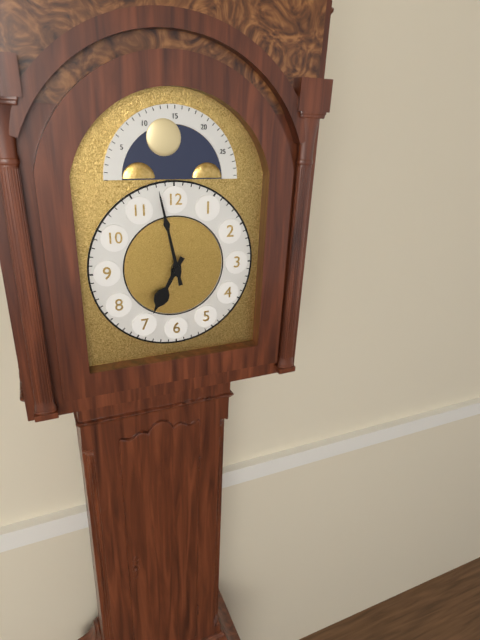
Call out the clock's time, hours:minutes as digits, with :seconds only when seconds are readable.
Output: 6:58
